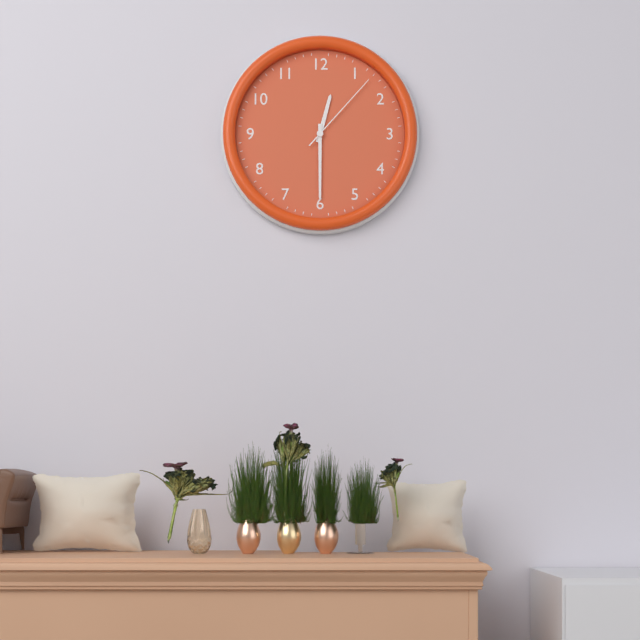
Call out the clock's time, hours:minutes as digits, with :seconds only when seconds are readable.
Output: 12:30:07
